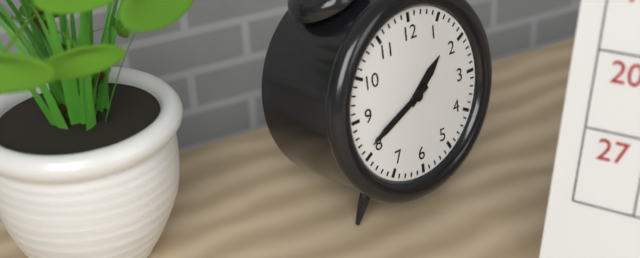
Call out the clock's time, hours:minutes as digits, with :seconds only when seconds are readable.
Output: 1:41
